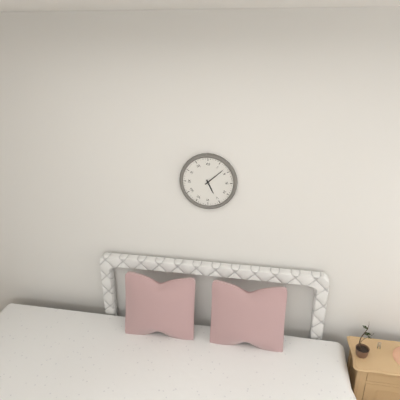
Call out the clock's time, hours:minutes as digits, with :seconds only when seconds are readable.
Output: 5:08
